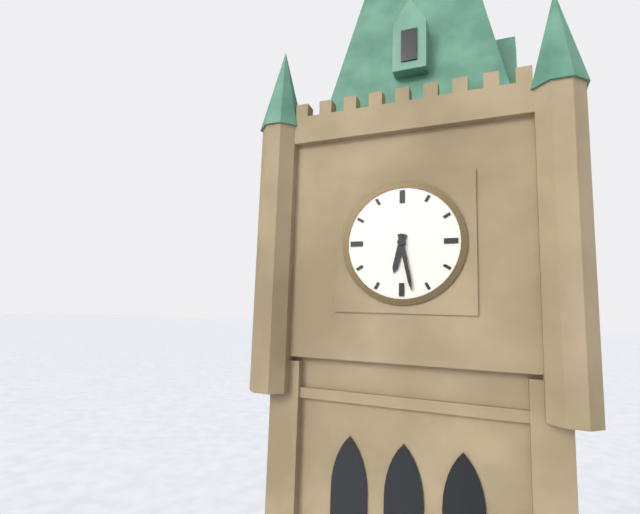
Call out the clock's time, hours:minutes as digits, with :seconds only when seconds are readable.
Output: 6:28
